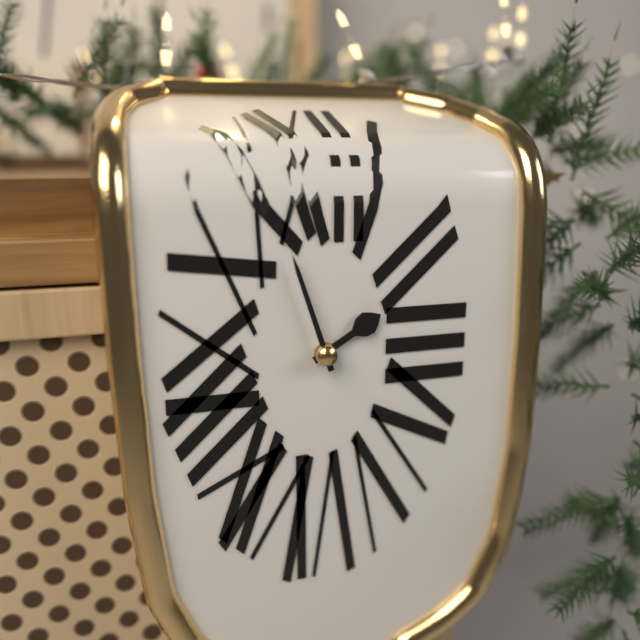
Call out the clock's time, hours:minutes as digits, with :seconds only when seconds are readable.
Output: 1:57
